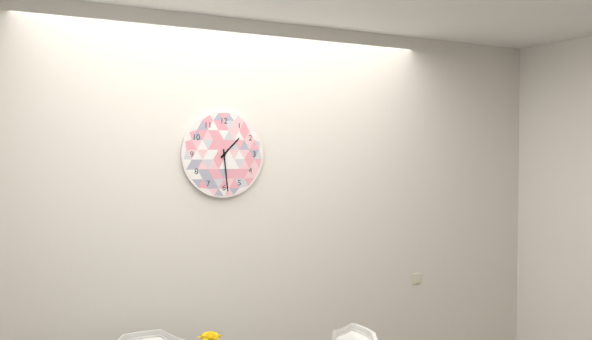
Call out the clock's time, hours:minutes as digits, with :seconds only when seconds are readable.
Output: 1:29
